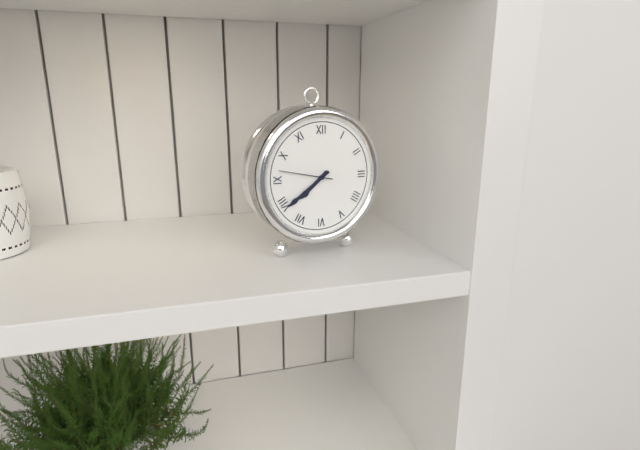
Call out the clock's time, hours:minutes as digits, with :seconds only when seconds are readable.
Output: 7:39
